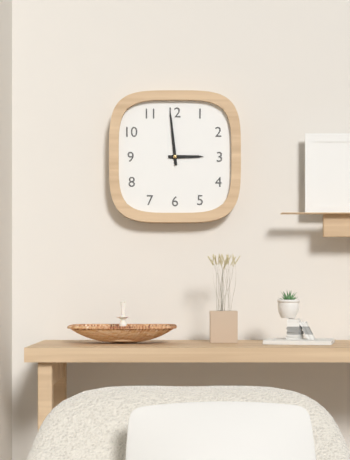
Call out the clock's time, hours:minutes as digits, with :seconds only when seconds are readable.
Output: 2:59
